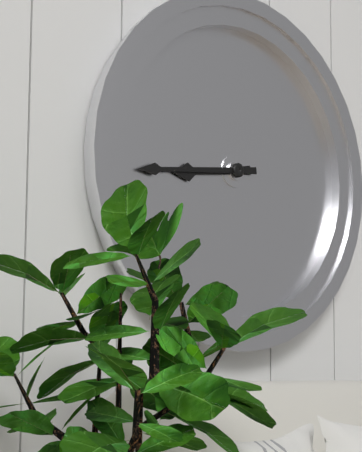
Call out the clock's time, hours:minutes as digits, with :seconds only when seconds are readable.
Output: 8:44
